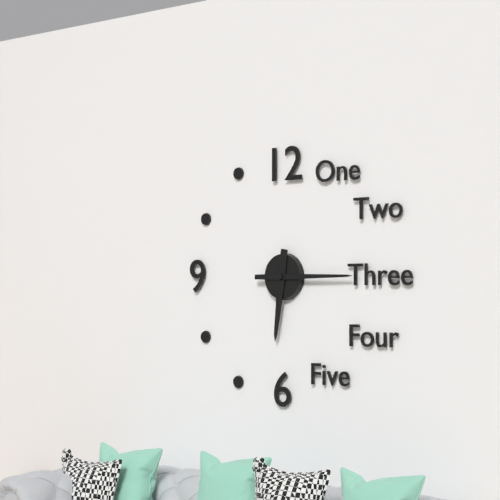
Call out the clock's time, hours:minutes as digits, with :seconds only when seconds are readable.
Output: 6:15
